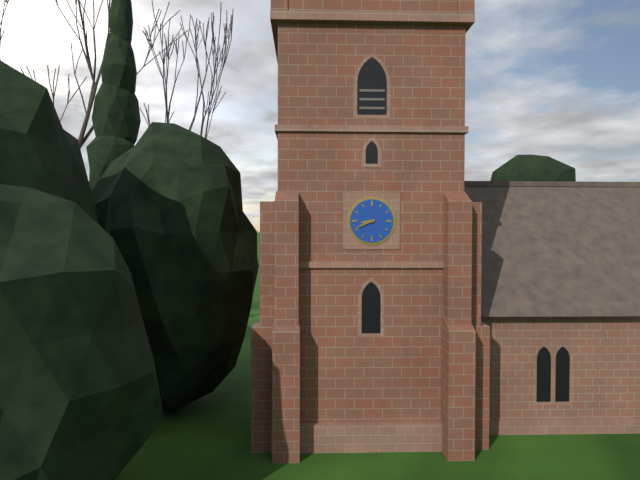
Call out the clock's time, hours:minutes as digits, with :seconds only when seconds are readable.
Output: 8:41
